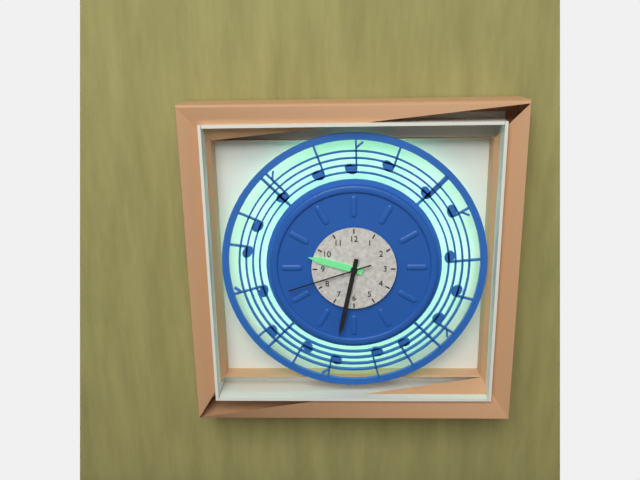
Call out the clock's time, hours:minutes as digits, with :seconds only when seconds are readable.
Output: 9:32:42
